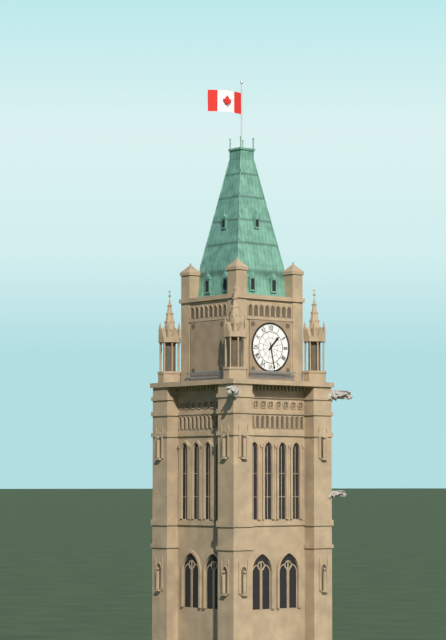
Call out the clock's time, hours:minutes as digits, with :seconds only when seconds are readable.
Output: 1:28
